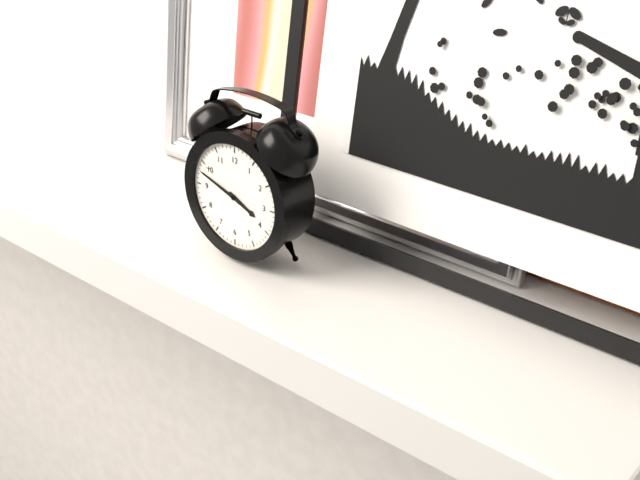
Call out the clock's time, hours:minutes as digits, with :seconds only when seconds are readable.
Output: 3:48
